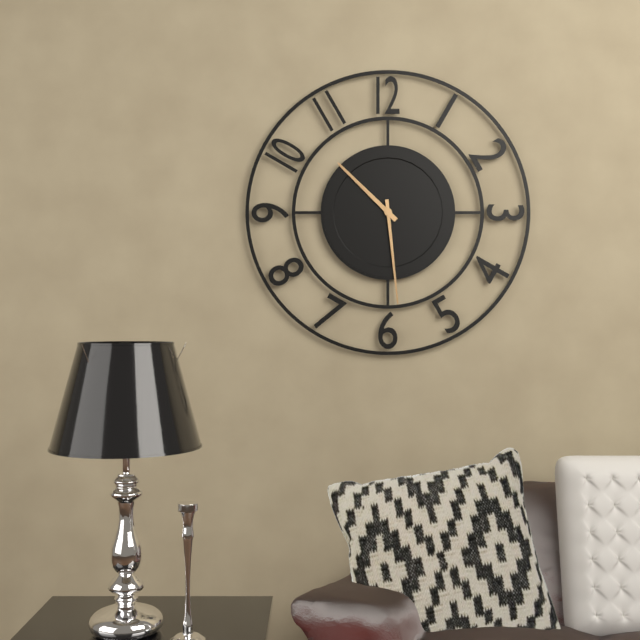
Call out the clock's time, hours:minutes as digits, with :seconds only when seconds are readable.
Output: 10:29
